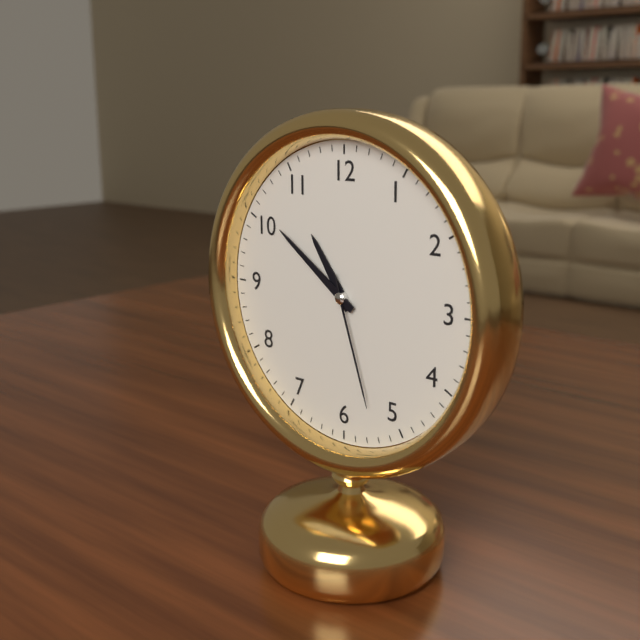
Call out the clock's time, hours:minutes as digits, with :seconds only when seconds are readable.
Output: 10:51:27
